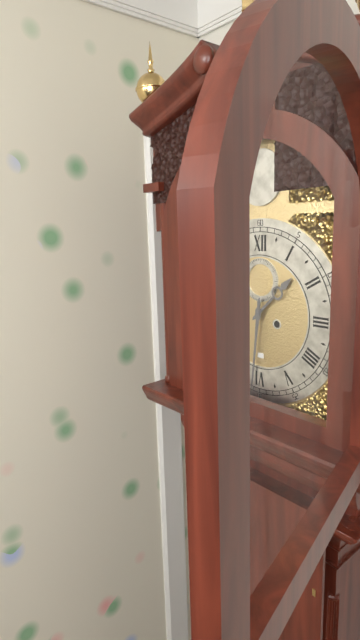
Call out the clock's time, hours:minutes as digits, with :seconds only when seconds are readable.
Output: 1:31
